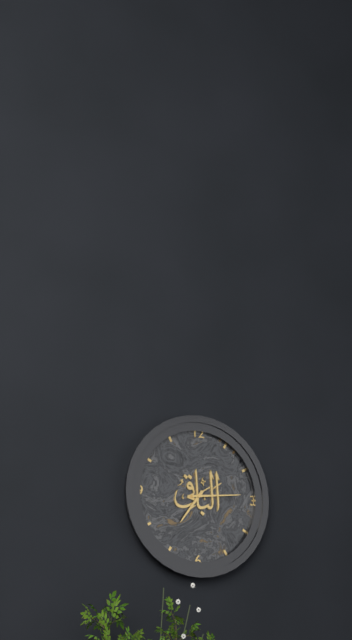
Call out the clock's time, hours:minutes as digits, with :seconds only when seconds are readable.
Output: 7:14
